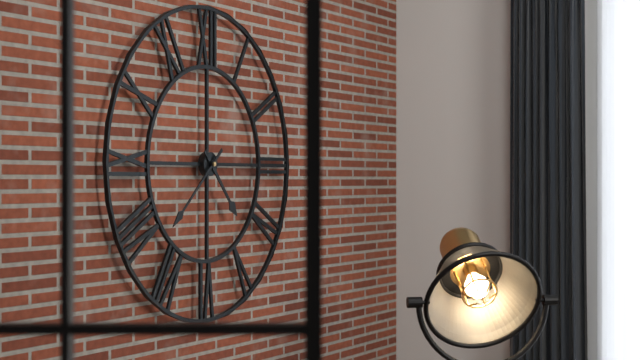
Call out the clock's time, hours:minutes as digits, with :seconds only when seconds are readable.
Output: 4:38
